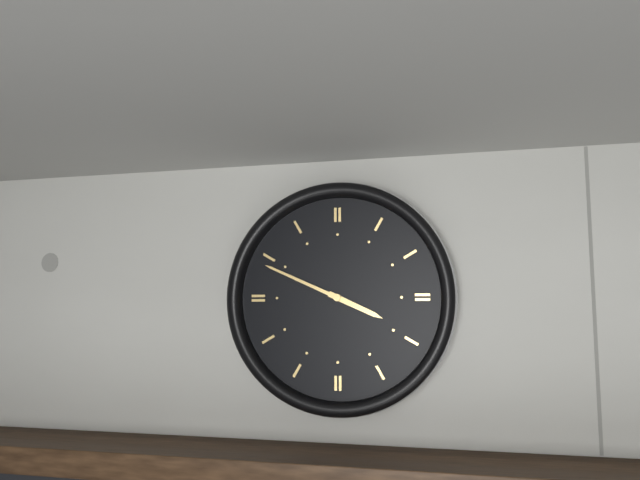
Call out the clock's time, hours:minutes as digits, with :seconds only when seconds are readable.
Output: 3:49
